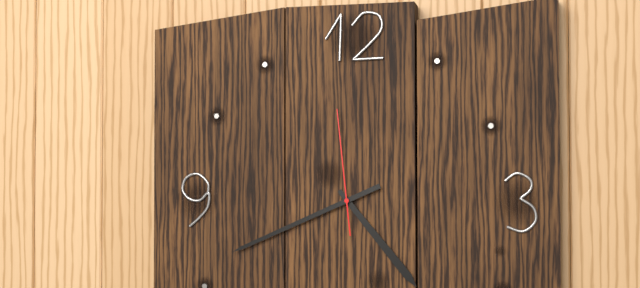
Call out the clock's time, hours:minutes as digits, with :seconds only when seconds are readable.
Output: 4:41:59
